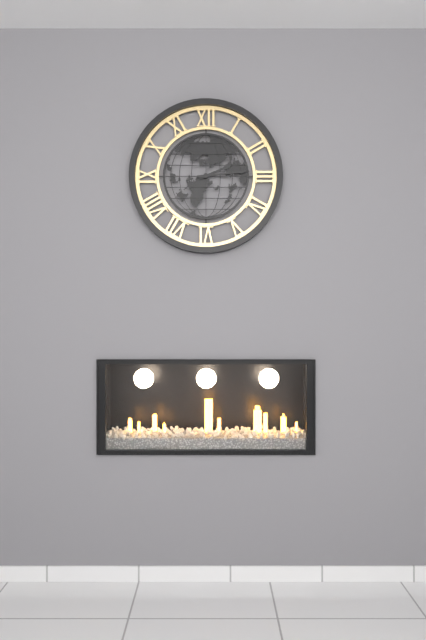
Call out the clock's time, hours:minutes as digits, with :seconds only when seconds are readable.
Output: 2:14
